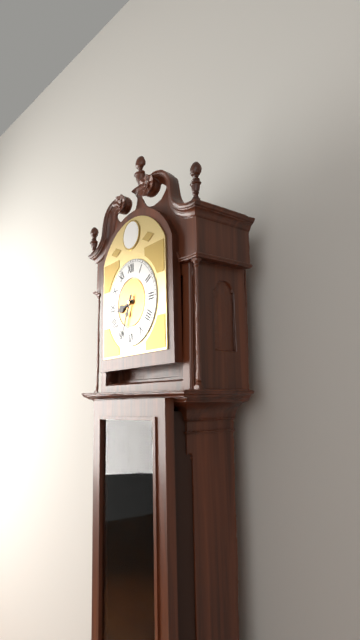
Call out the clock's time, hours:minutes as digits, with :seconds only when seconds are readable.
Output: 8:34
